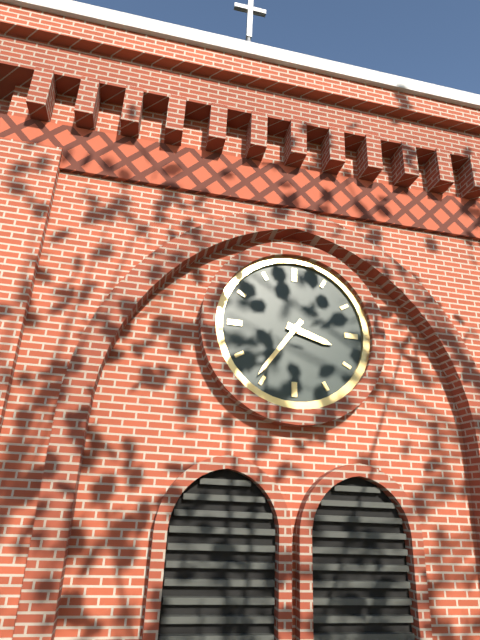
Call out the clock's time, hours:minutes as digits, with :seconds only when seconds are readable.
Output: 3:36
